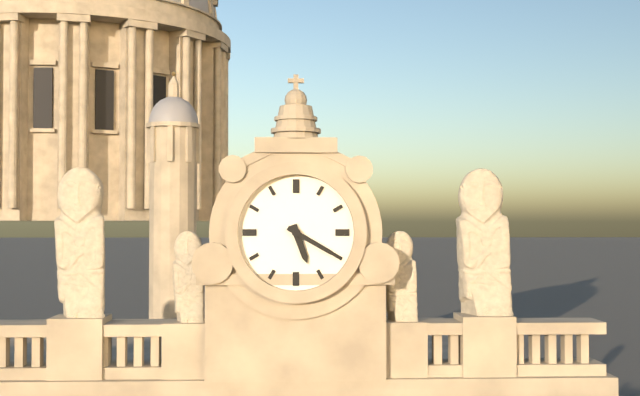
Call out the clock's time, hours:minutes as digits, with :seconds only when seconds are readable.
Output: 5:20
